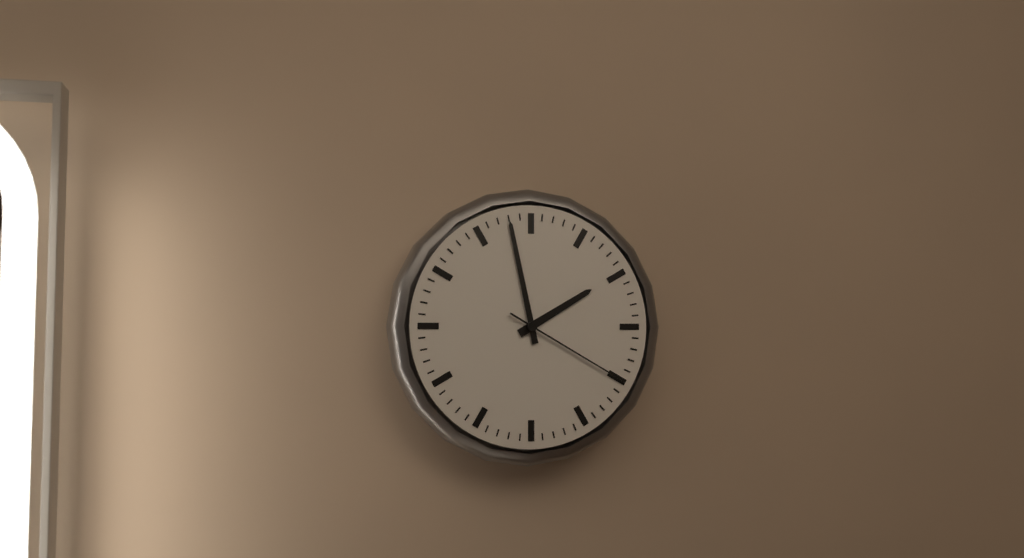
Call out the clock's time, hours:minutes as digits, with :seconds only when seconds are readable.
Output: 1:58:20
